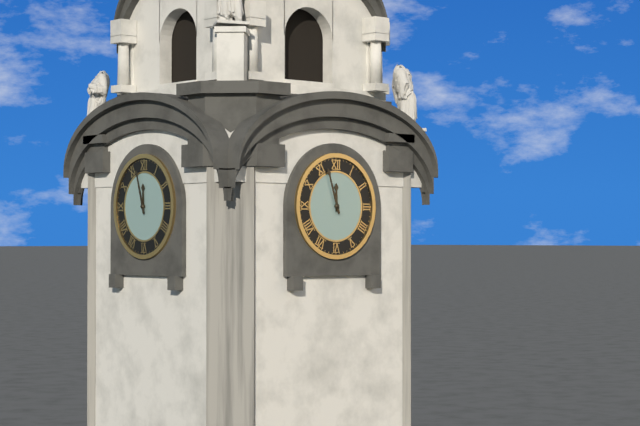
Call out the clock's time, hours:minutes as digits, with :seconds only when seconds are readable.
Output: 11:57
